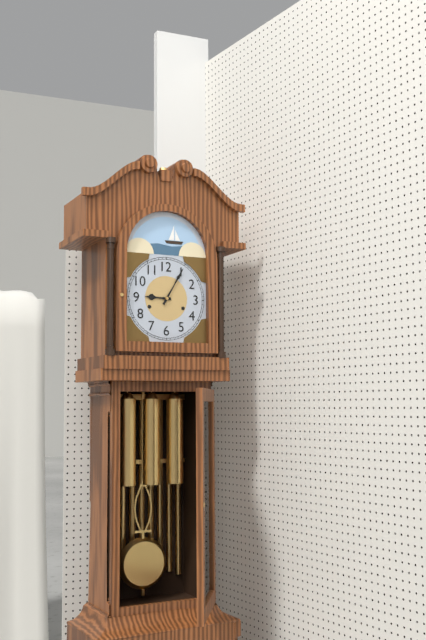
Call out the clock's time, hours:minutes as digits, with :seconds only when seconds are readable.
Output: 9:05
